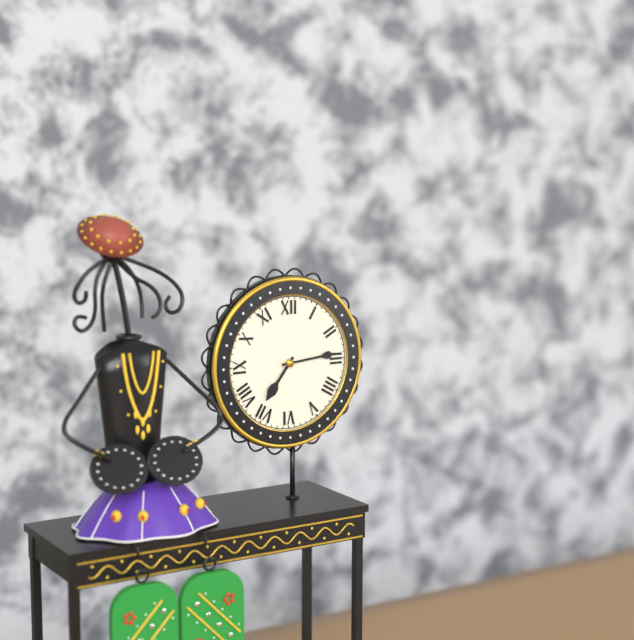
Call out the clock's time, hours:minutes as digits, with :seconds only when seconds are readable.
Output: 7:14
